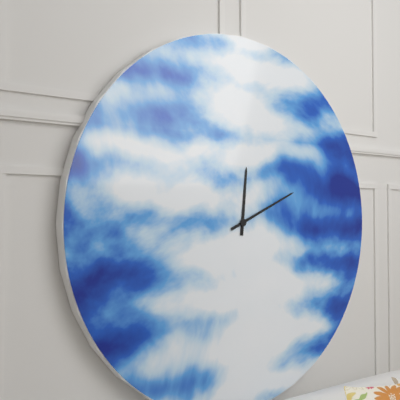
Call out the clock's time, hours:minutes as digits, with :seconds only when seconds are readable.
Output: 12:11
